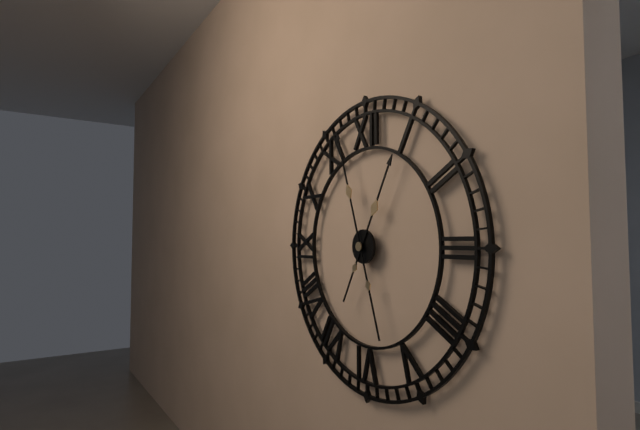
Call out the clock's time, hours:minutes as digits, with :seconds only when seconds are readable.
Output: 12:57
